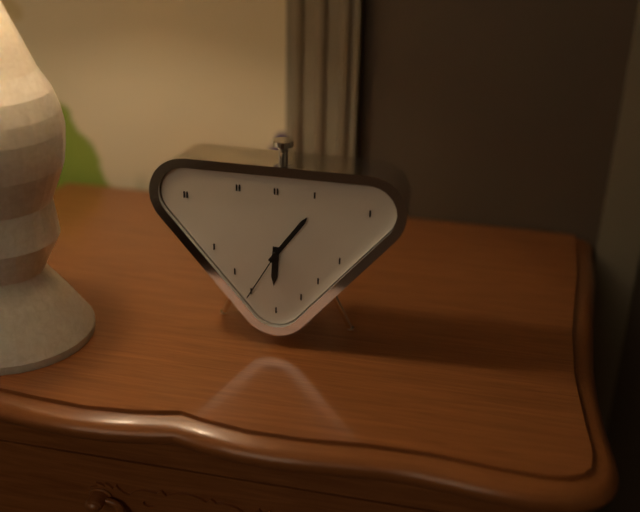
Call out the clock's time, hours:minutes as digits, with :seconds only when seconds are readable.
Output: 6:06:35
